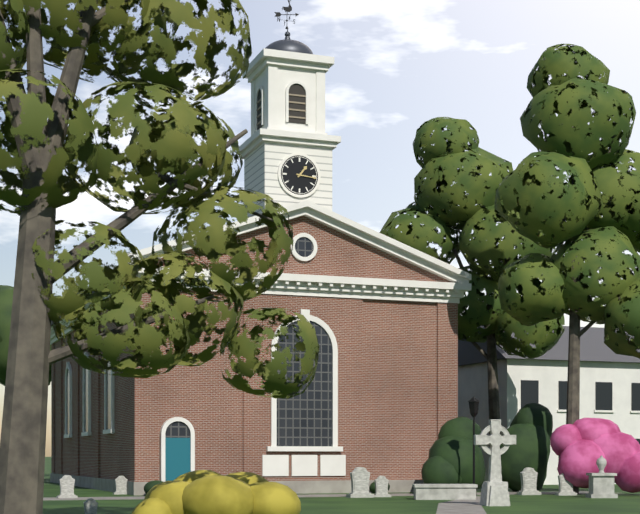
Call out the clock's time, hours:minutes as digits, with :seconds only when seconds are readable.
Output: 1:16
